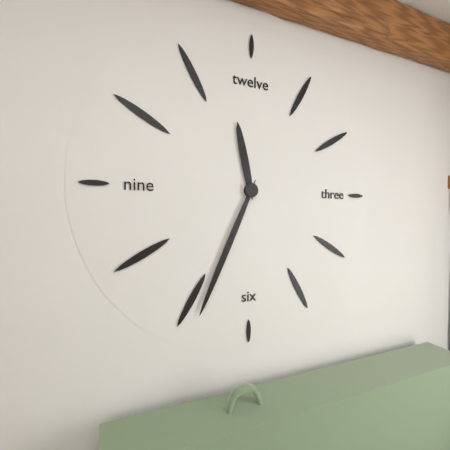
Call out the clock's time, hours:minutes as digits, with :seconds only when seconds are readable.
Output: 11:34
